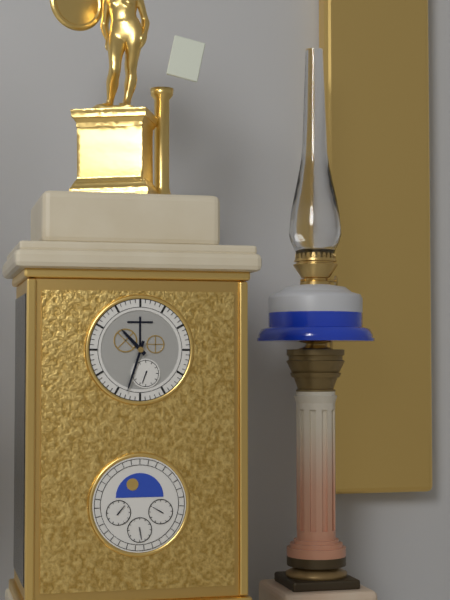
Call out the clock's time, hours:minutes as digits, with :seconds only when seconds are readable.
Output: 10:33
